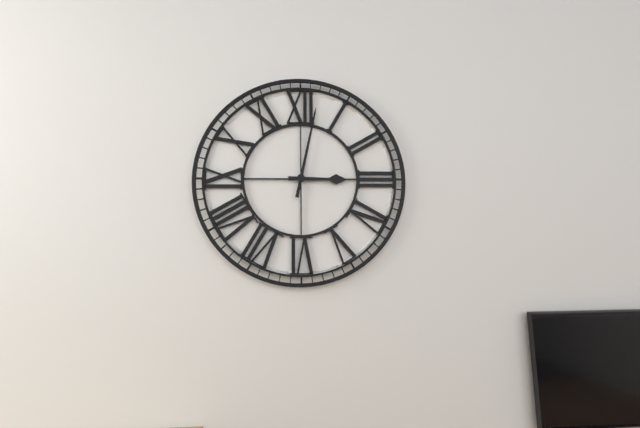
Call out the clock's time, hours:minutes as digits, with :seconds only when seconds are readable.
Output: 3:02
